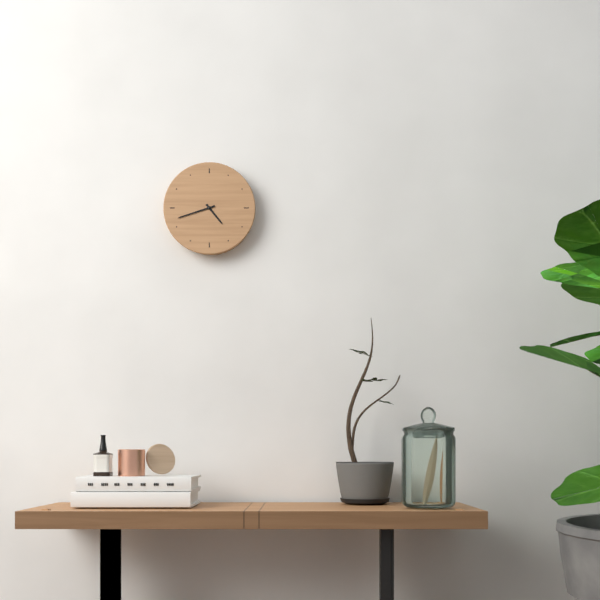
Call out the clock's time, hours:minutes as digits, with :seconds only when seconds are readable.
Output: 4:42
